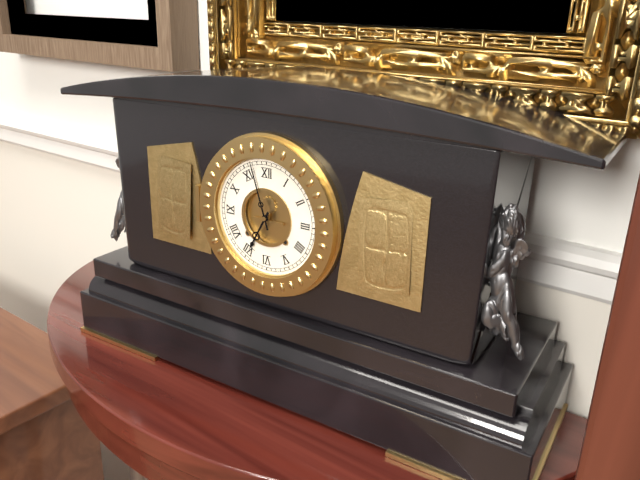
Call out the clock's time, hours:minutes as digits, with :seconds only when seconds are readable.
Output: 6:57
